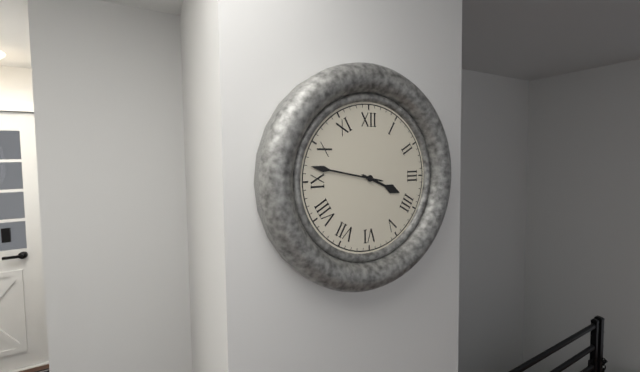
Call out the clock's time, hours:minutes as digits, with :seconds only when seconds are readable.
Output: 3:47
